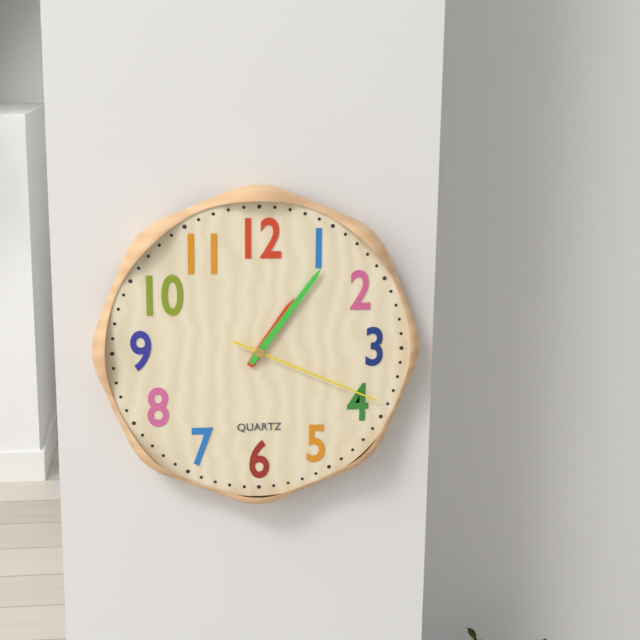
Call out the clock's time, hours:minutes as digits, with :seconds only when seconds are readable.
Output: 1:06:19
